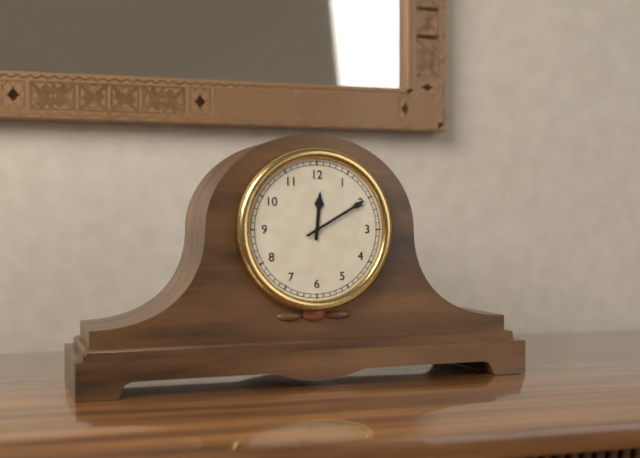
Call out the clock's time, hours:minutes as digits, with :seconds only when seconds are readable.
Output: 12:10
